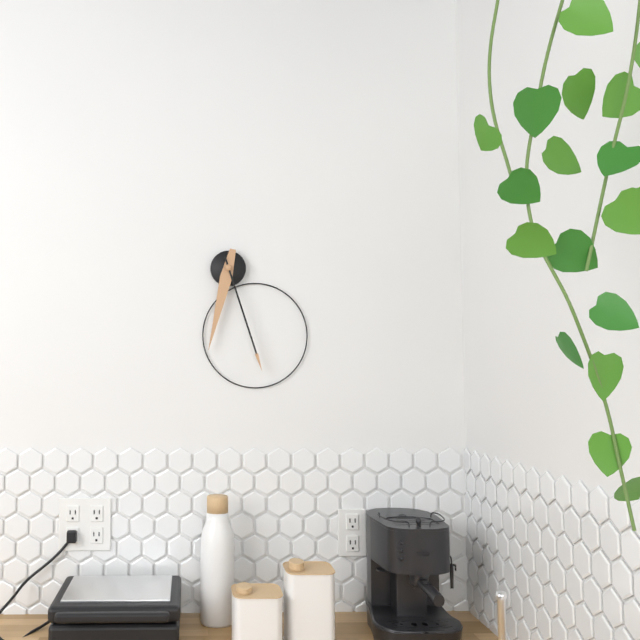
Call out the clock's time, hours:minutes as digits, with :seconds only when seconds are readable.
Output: 6:27
